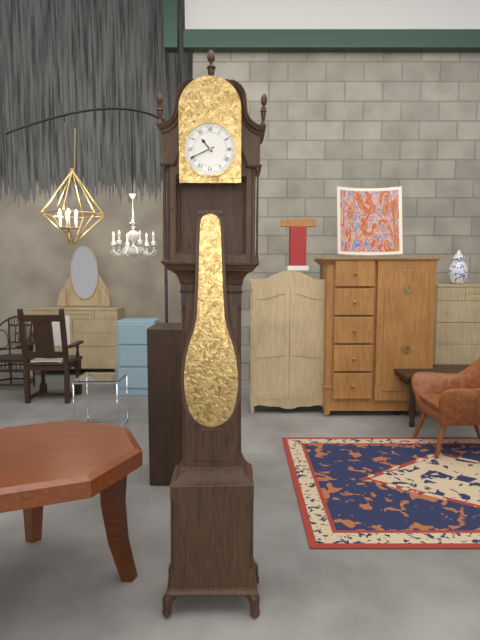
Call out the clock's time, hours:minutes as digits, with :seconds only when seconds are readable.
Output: 10:41
